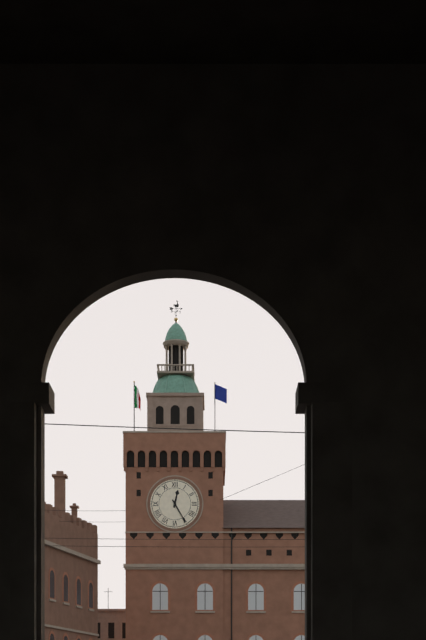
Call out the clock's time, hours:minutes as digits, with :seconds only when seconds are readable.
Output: 12:25
